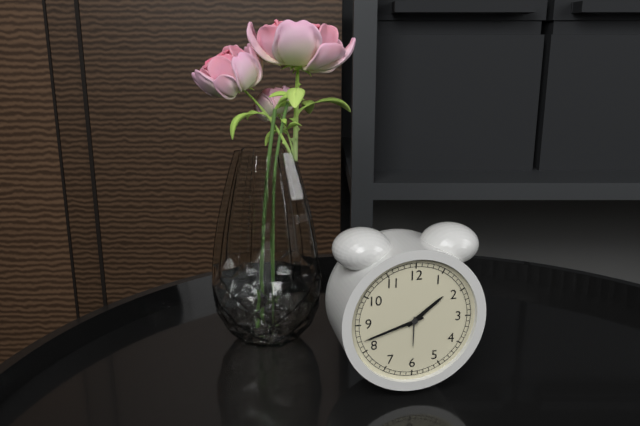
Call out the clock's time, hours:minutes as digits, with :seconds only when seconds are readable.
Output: 1:42
